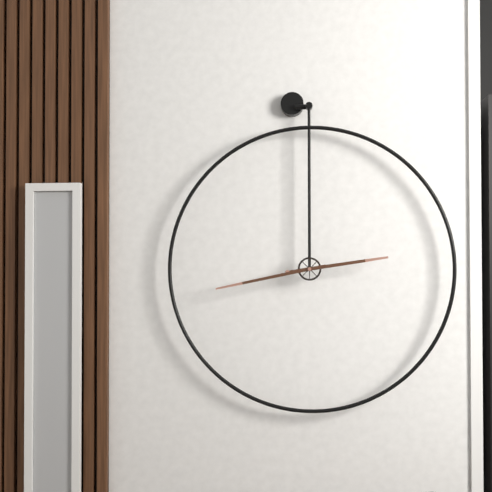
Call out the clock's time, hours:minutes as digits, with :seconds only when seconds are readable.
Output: 2:43
